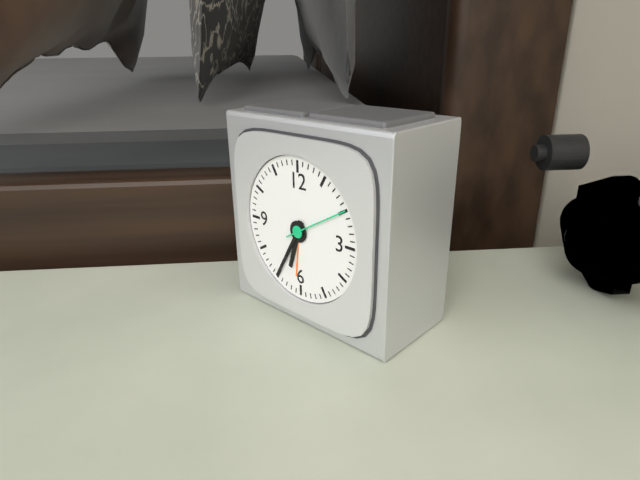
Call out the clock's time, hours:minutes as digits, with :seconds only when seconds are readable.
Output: 6:35
